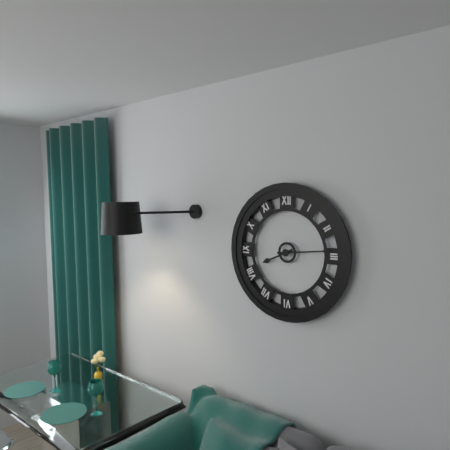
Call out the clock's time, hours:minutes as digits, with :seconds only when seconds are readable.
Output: 8:14
